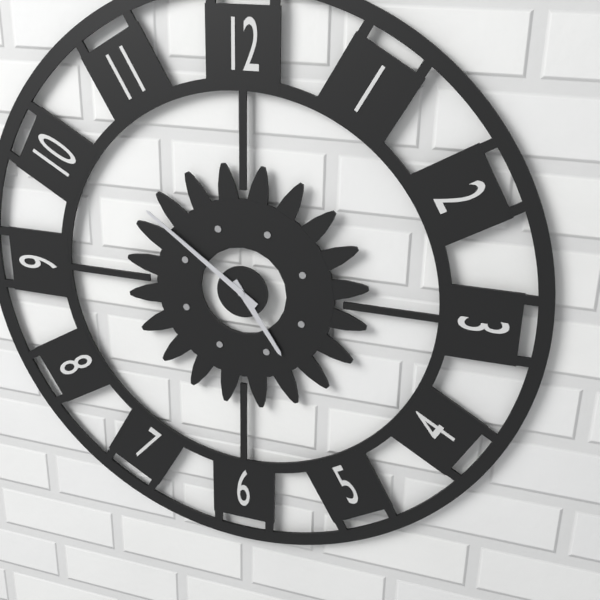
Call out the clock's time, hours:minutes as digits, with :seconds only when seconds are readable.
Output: 4:51
